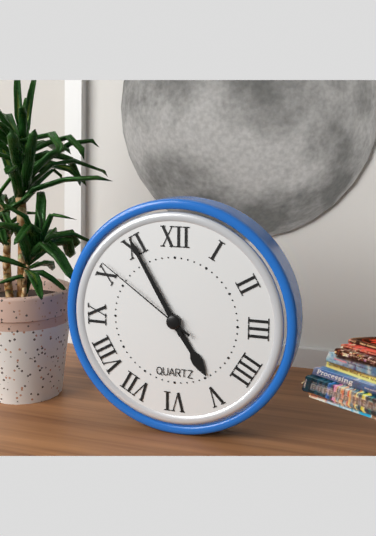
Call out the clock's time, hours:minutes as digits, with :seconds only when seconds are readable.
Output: 4:55:51
